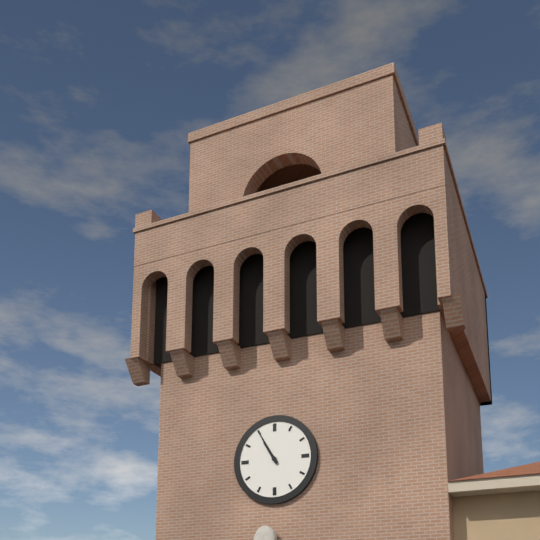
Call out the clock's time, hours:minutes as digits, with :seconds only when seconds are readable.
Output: 10:55
